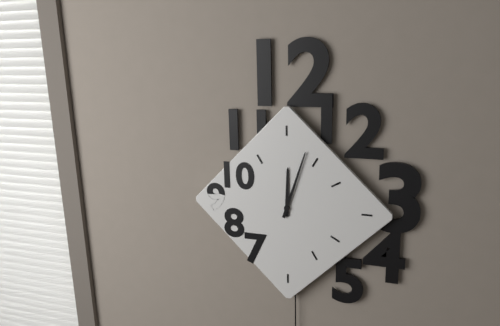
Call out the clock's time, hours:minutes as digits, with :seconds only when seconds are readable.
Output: 12:03
